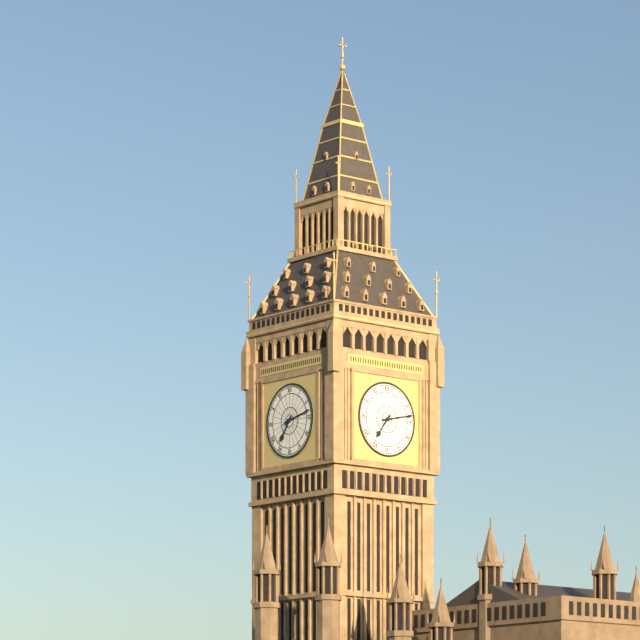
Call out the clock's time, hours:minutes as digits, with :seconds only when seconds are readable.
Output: 7:13
